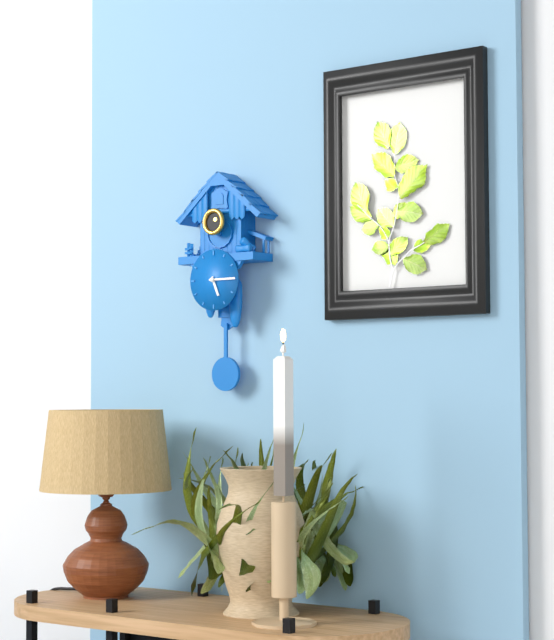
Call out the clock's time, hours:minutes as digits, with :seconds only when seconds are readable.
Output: 5:15
